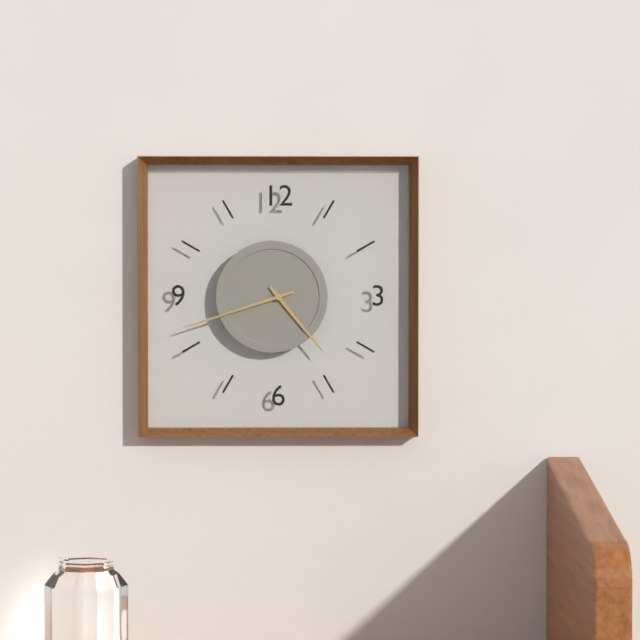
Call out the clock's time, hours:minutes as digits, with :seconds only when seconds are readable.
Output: 4:42
